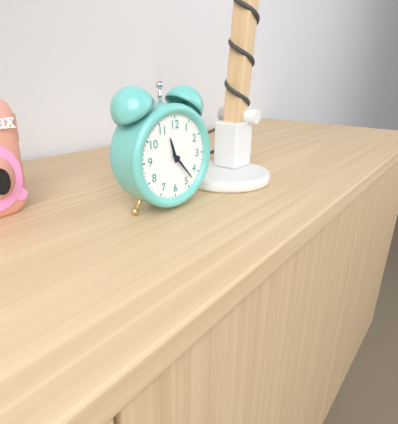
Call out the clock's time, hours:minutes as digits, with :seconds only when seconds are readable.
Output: 11:23
